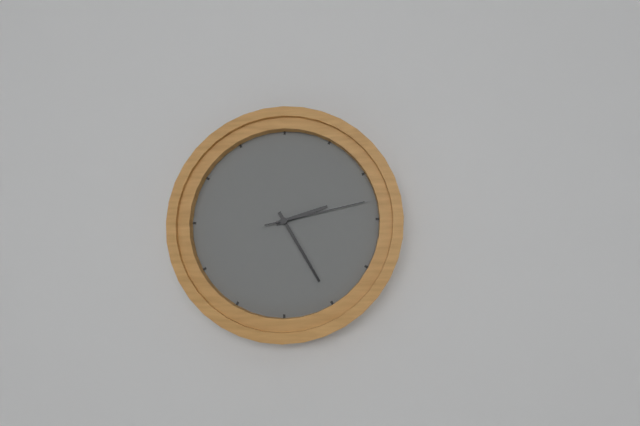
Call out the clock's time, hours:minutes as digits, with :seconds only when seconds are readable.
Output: 2:25:13
